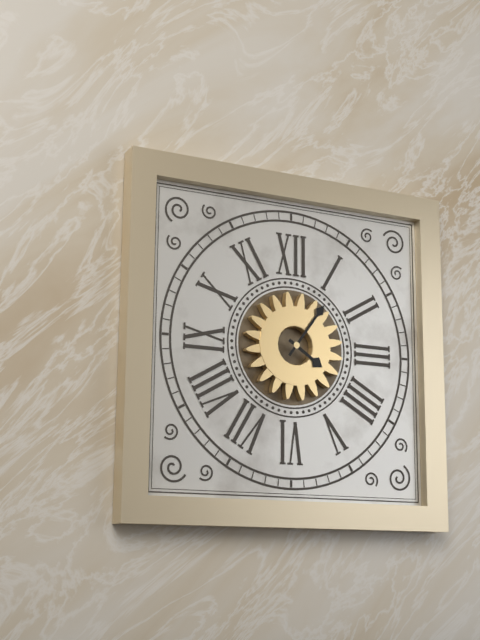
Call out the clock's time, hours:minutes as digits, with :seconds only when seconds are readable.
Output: 4:06
